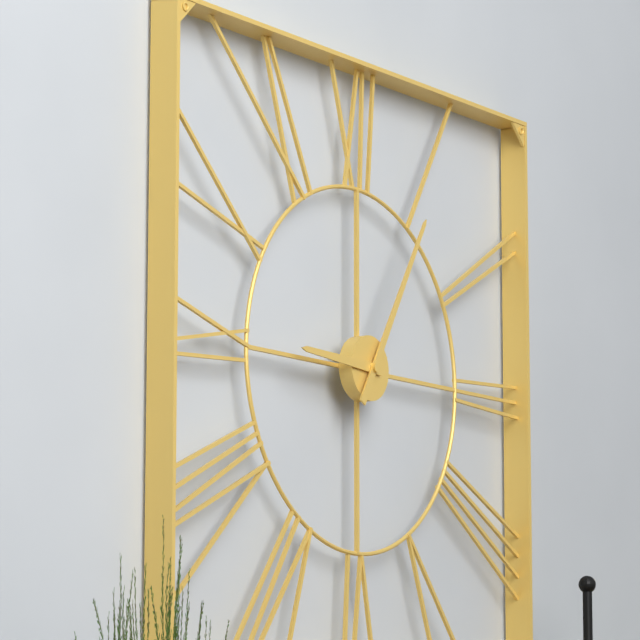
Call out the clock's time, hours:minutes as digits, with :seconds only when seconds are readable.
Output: 9:05
